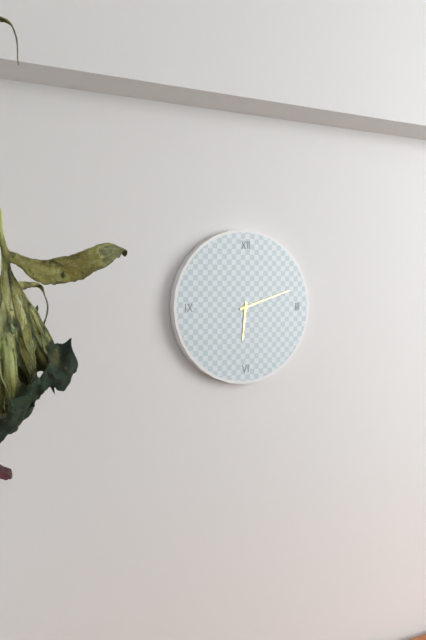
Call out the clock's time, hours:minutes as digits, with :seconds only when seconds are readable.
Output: 6:12
